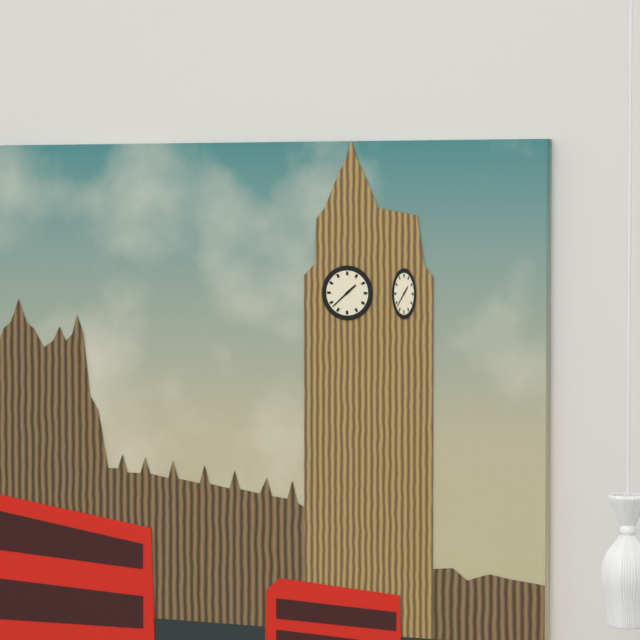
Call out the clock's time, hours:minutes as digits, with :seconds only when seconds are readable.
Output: 1:38
